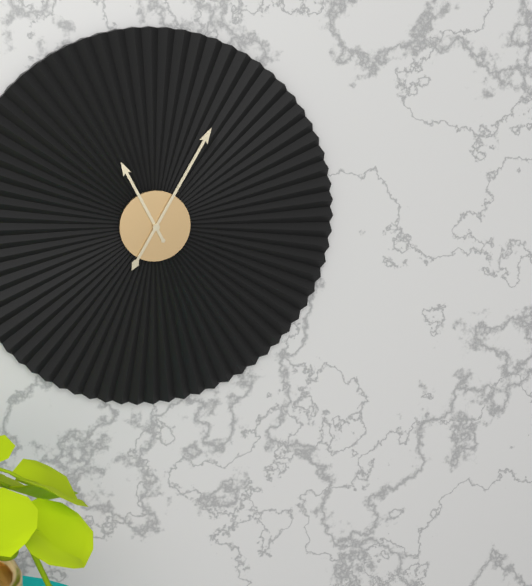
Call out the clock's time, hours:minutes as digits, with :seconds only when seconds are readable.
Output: 11:05
